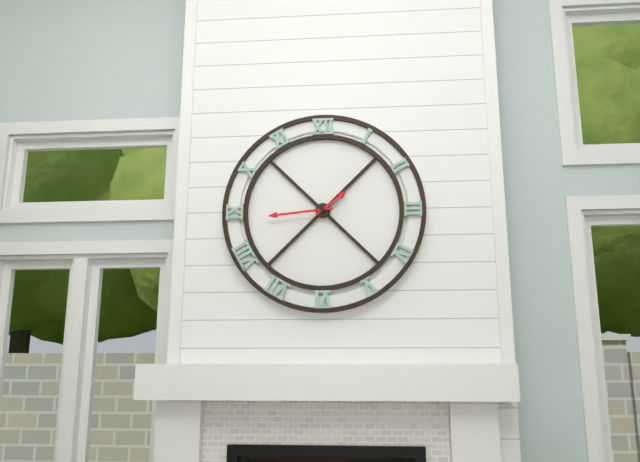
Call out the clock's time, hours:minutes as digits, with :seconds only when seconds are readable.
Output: 1:44
